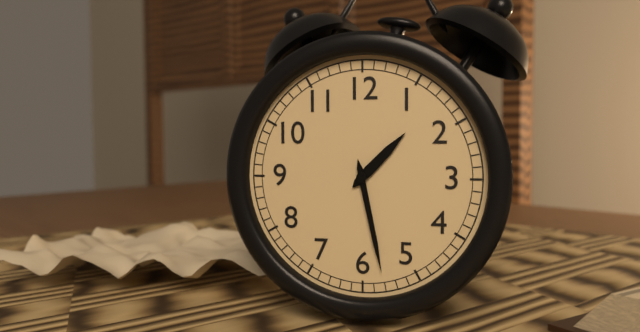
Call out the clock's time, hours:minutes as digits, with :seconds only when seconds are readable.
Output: 1:28
